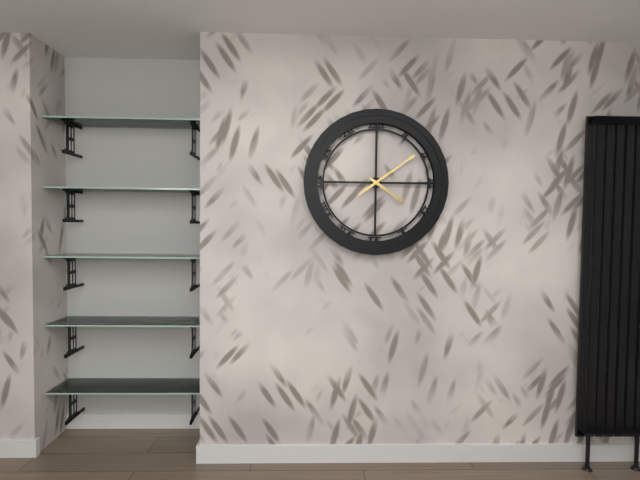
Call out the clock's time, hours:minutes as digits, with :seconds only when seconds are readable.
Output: 4:09
